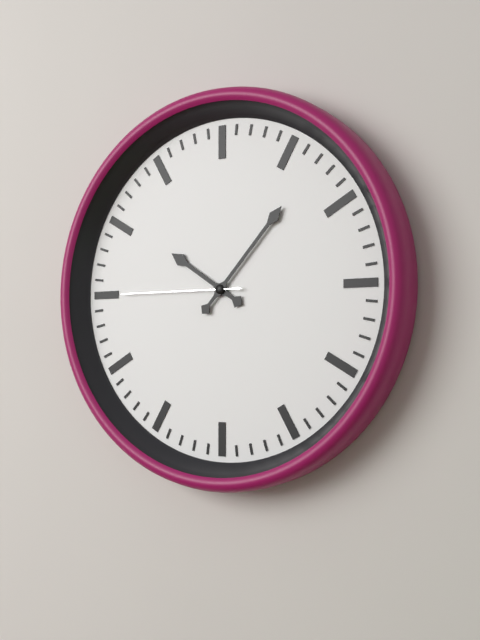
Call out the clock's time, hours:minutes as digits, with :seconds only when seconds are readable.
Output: 10:07:45
